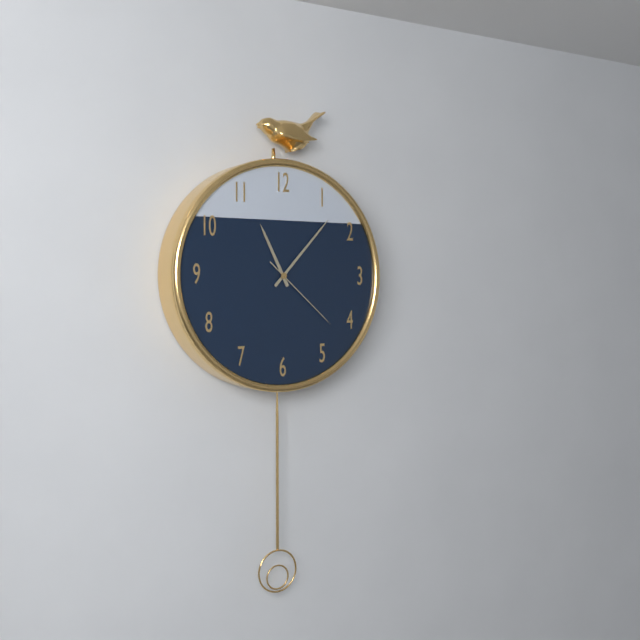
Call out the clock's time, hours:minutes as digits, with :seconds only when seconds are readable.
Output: 11:07:22
